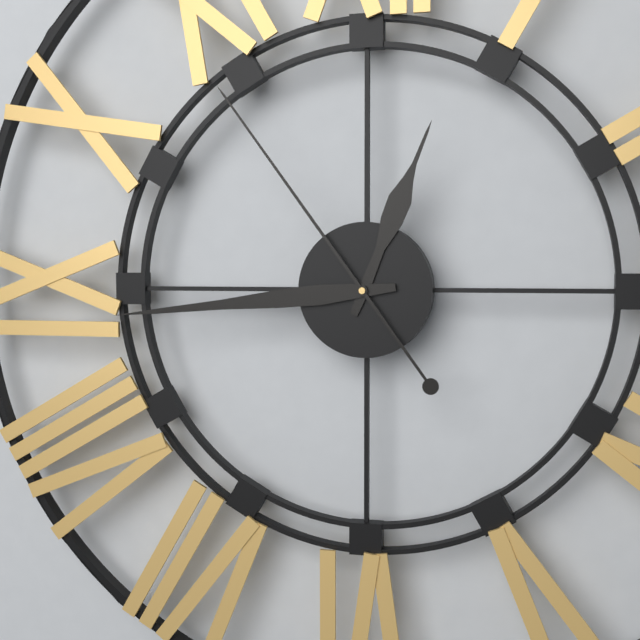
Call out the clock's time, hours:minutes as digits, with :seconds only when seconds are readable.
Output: 12:44:54
